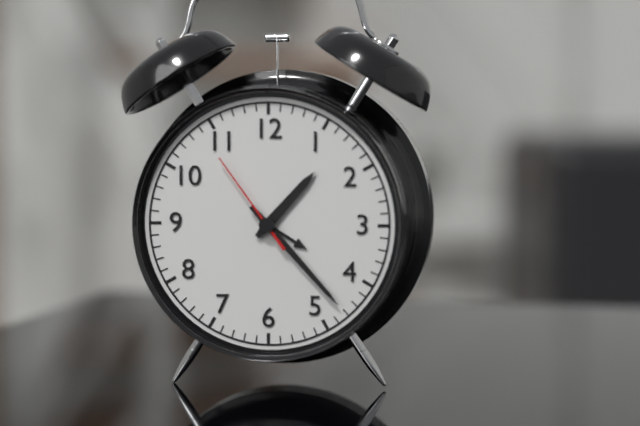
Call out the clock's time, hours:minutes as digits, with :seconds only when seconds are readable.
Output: 1:23:54
